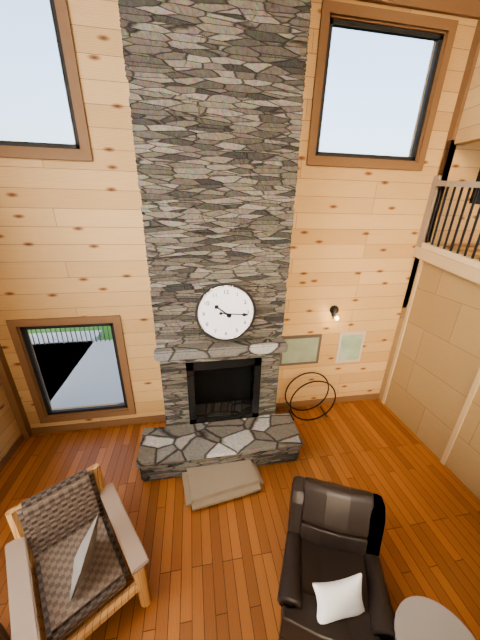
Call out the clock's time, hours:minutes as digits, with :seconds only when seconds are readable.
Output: 10:16
